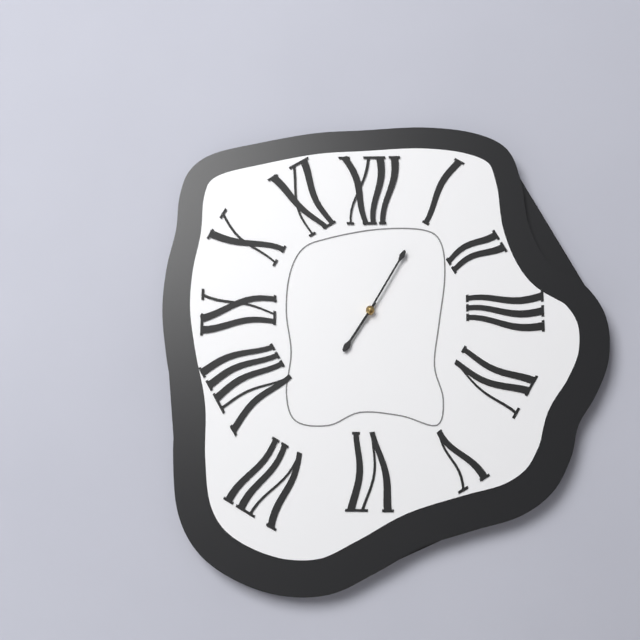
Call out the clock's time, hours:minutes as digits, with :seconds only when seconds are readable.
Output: 7:05
